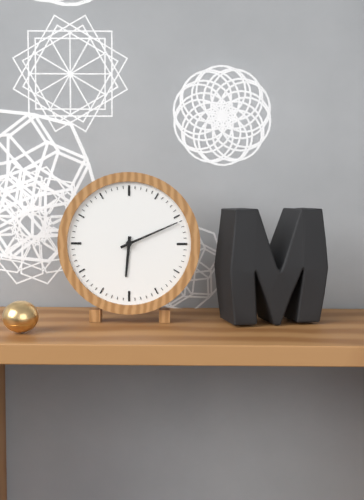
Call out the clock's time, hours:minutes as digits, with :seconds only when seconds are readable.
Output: 6:11
